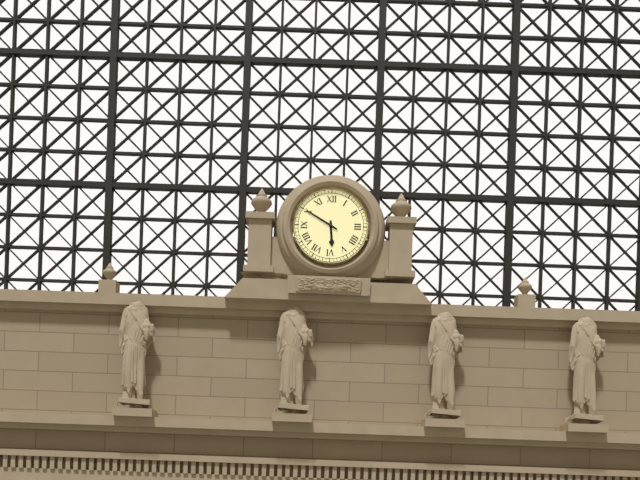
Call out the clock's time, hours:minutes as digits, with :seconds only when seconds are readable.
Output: 5:50
